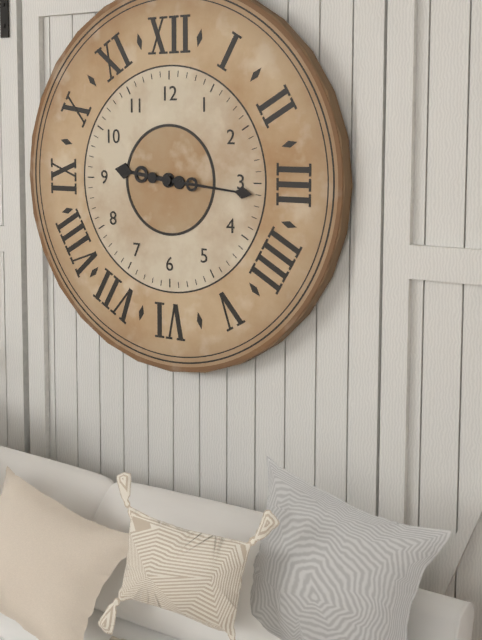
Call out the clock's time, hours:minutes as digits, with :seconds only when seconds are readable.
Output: 9:16
